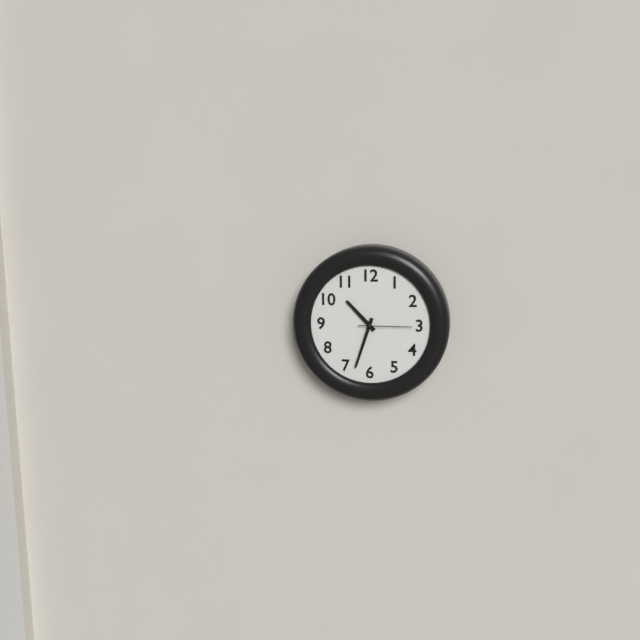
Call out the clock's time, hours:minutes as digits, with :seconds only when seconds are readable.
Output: 10:33:15
